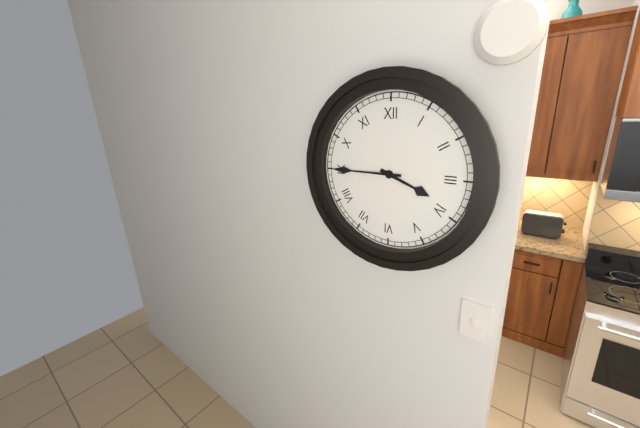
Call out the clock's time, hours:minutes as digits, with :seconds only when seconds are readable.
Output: 3:45
